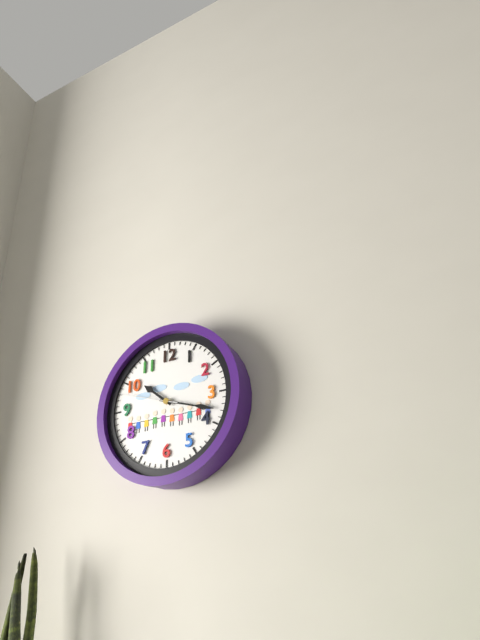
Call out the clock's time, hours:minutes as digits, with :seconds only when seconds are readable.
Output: 10:18:48
